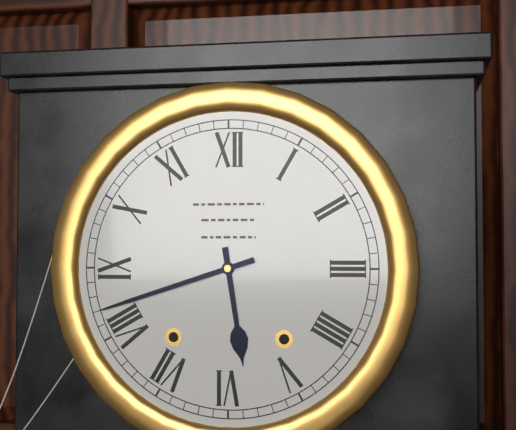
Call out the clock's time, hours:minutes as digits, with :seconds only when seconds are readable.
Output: 5:42
